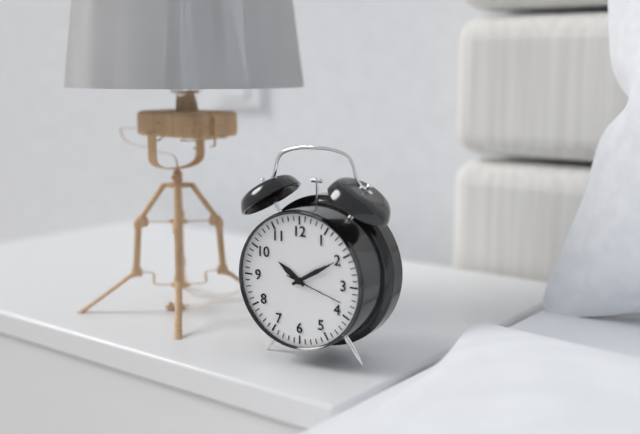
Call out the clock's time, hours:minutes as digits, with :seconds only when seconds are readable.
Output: 10:10
